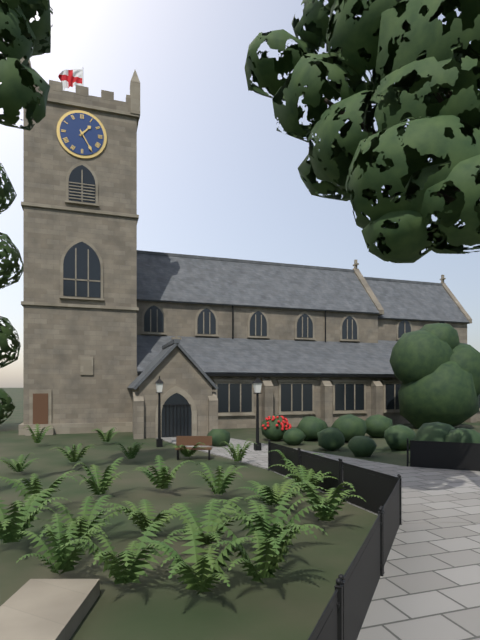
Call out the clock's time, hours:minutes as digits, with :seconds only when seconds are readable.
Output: 1:25
